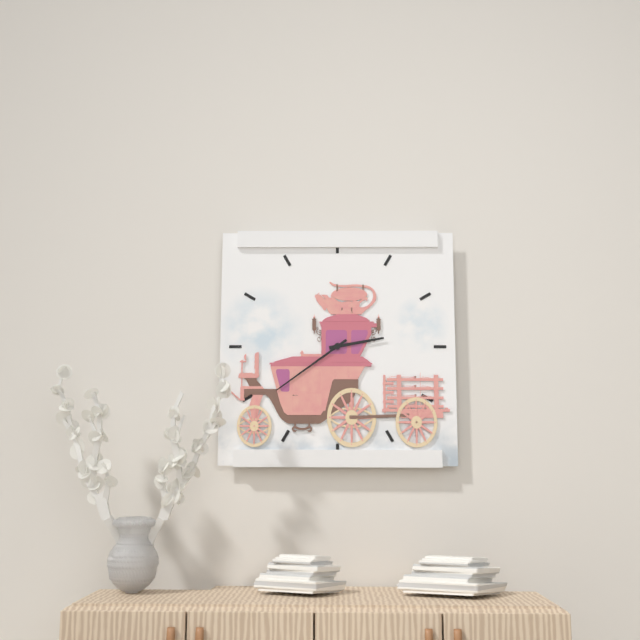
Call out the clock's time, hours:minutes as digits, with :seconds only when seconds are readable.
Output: 2:39
